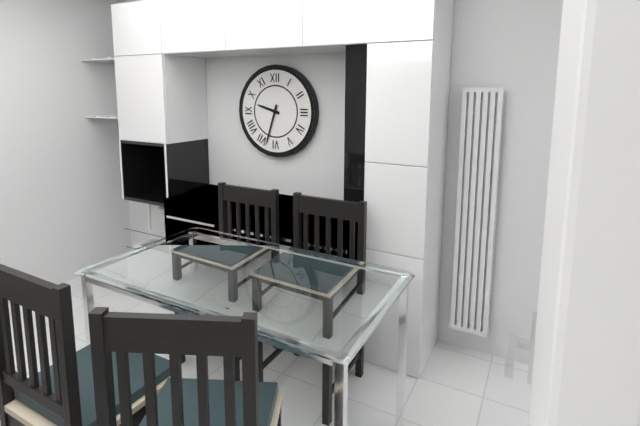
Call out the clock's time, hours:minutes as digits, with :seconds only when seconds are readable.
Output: 9:33
